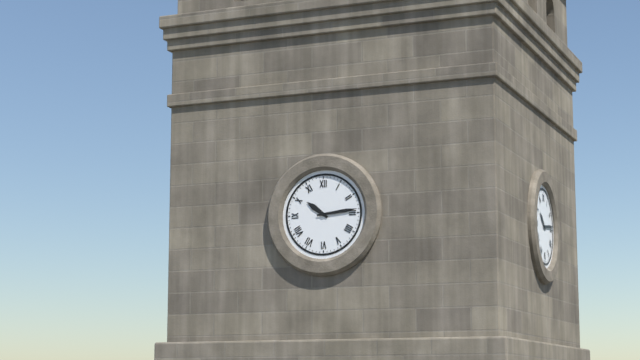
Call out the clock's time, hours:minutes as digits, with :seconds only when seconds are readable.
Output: 10:14
